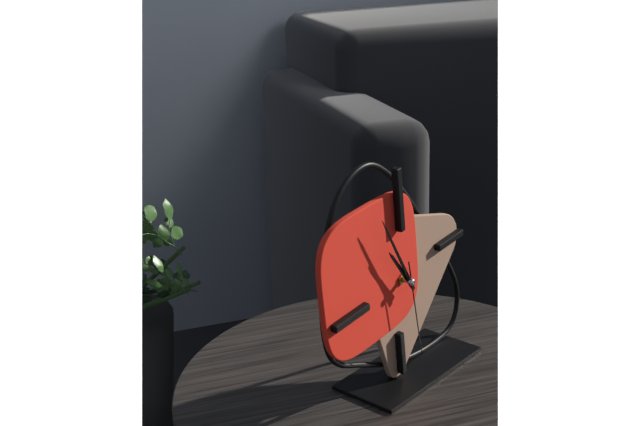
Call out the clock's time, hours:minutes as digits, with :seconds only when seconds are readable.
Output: 10:56:29
